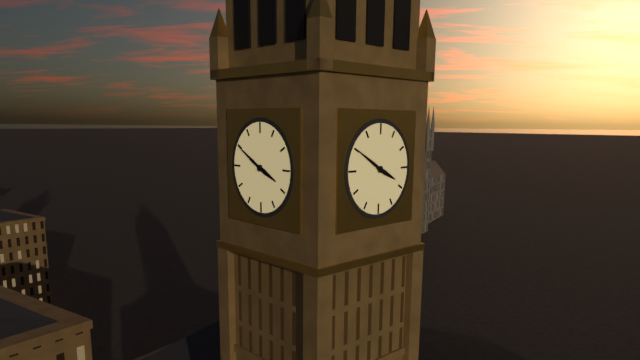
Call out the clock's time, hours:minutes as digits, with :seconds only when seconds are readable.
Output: 3:50
